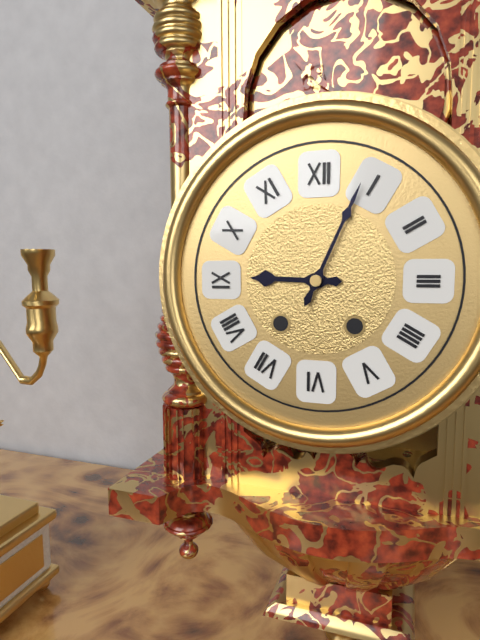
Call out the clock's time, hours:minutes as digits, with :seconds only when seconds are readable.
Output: 9:04
